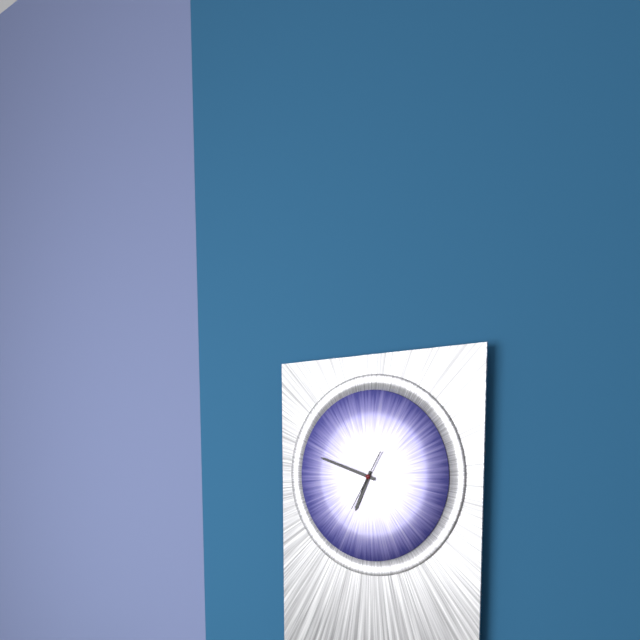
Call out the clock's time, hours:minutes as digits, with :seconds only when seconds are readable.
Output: 6:48
